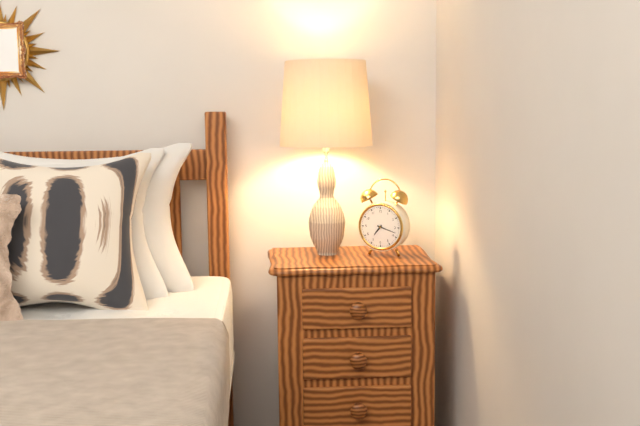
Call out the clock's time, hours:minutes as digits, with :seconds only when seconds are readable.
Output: 7:18
